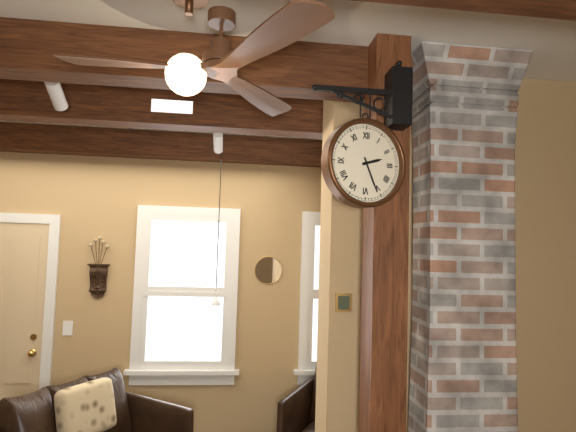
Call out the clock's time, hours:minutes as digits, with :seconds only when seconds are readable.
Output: 2:26
